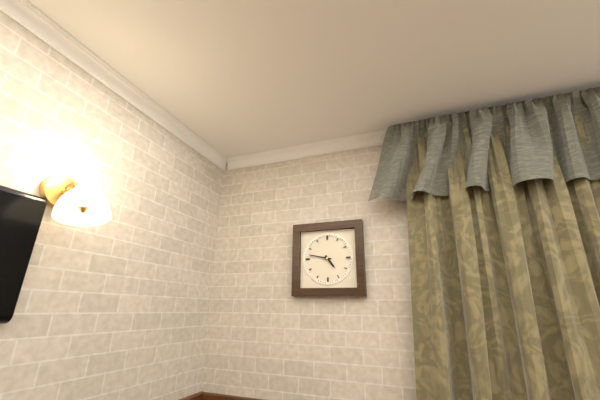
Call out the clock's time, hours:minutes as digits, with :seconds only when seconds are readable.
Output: 4:47
